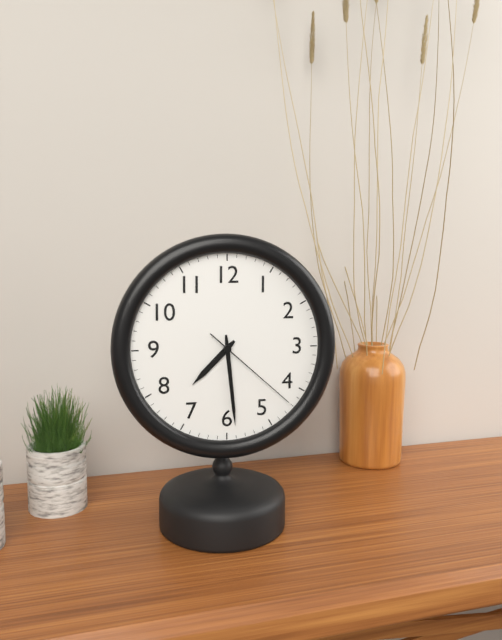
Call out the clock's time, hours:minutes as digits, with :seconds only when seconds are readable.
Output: 7:29:22
